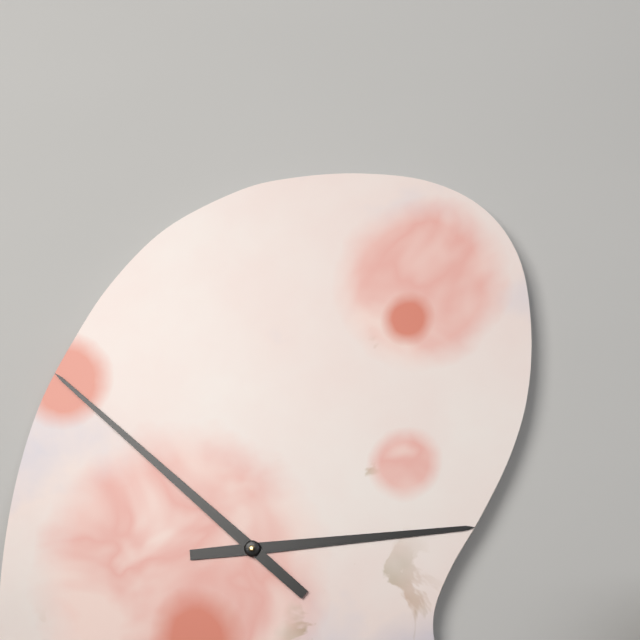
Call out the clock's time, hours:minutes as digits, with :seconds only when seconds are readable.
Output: 2:52
